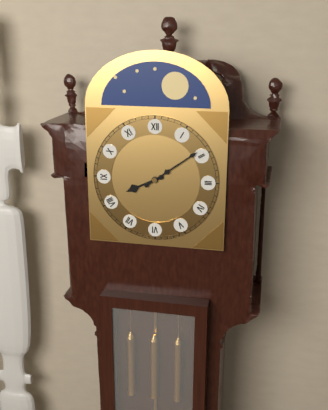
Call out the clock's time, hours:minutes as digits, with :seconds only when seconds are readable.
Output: 8:09
